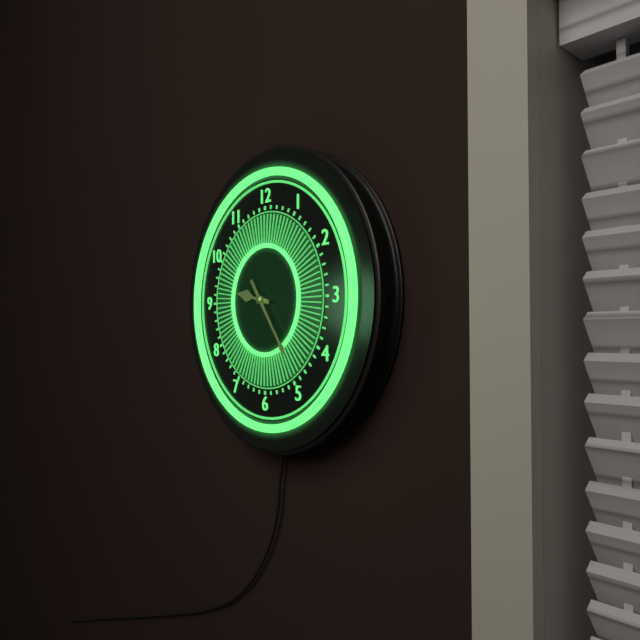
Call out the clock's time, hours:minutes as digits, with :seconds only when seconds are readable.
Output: 9:24
